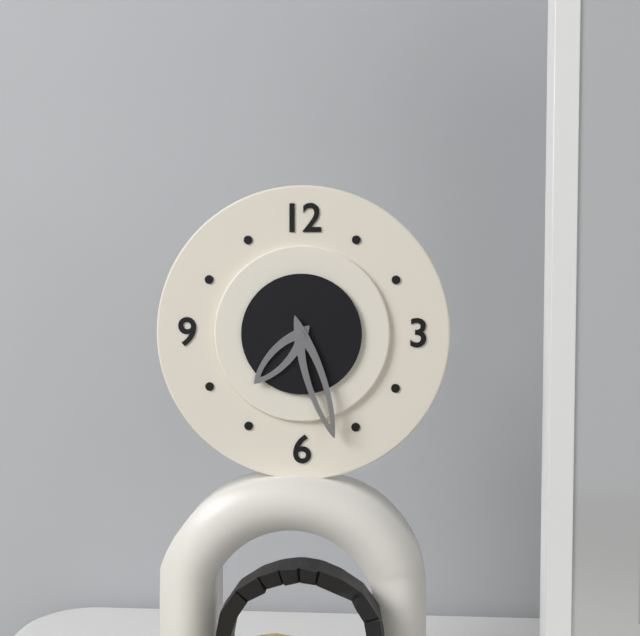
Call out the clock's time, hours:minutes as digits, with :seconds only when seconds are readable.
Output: 7:27
